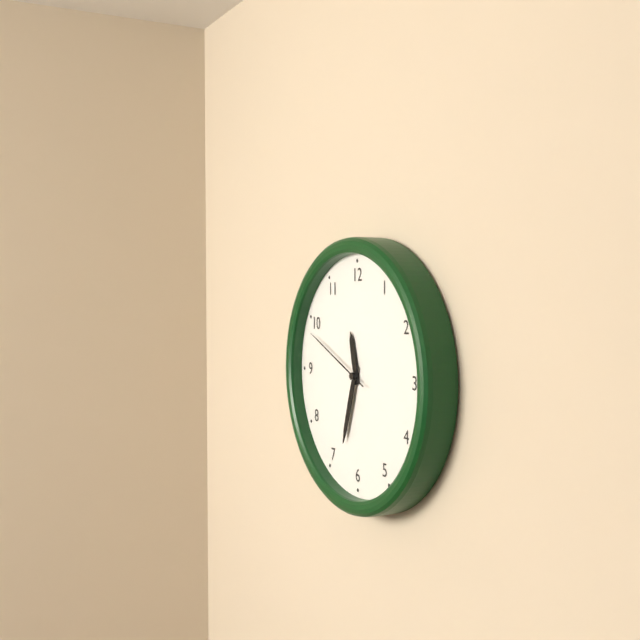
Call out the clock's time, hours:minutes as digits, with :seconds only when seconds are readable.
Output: 11:33:49
